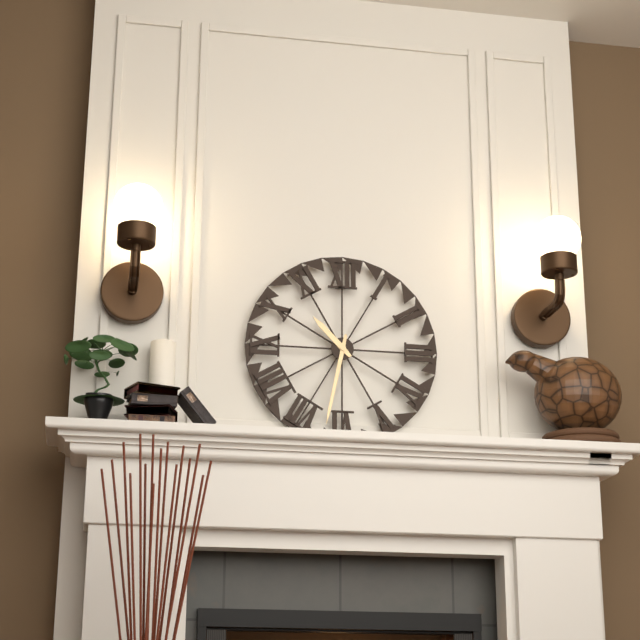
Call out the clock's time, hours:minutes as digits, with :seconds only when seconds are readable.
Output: 10:32
